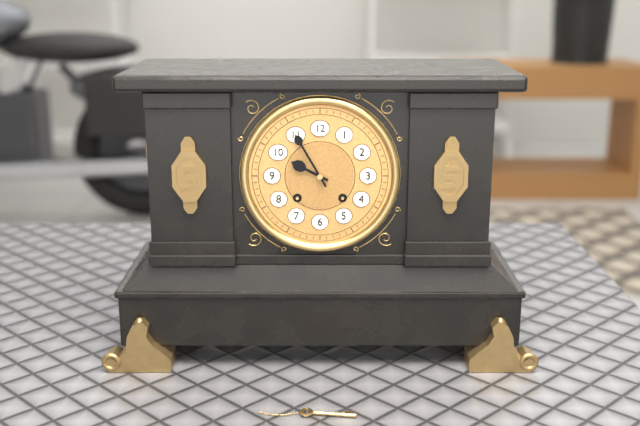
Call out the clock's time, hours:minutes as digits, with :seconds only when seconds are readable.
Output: 9:55
